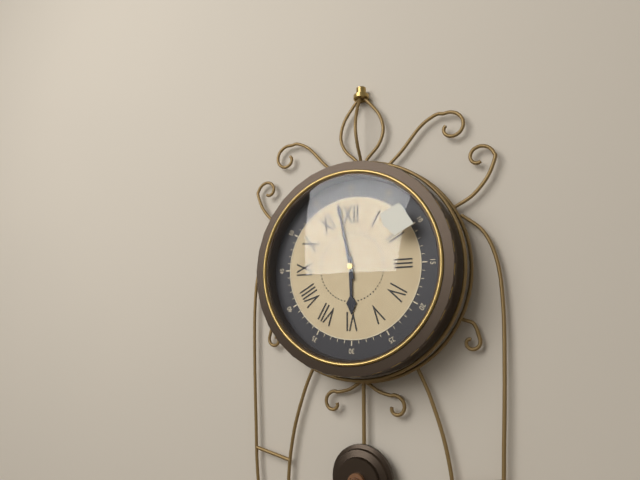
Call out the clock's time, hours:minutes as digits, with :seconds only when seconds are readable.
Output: 5:58
